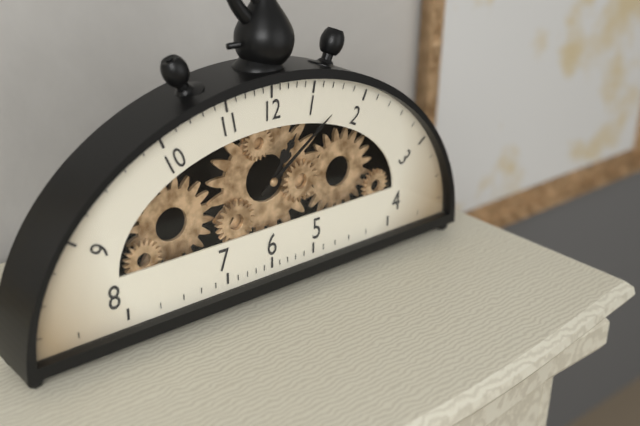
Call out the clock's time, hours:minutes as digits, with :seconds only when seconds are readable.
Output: 1:09
